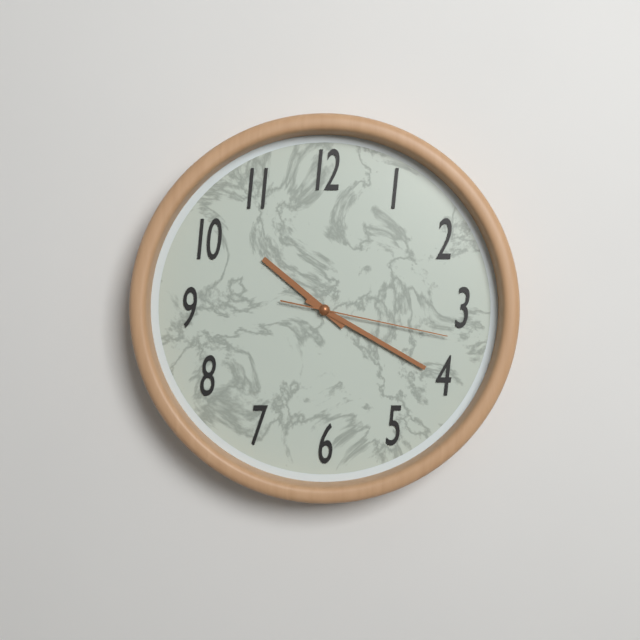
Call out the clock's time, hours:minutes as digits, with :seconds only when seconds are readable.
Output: 10:20:17
